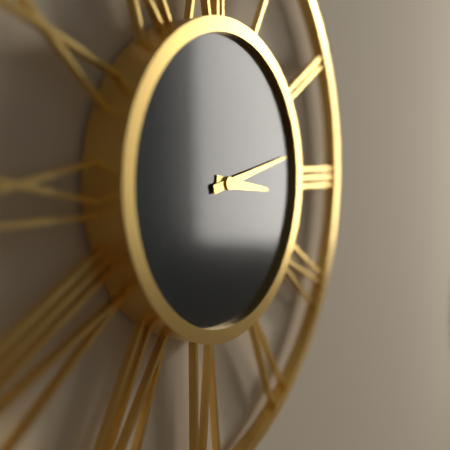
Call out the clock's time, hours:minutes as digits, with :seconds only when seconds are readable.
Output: 3:13
